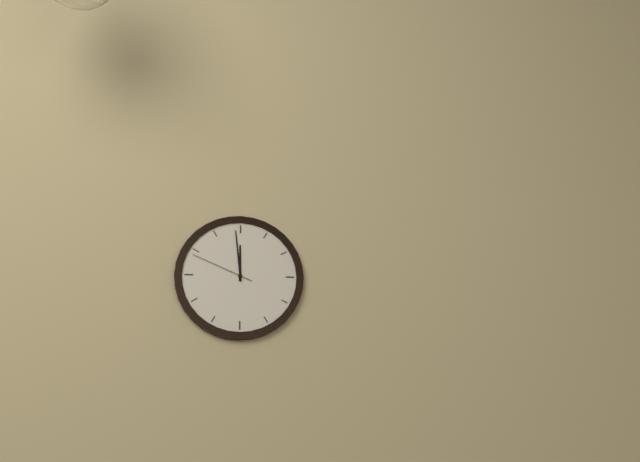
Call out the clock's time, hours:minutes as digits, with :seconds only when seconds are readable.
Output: 11:59:49
